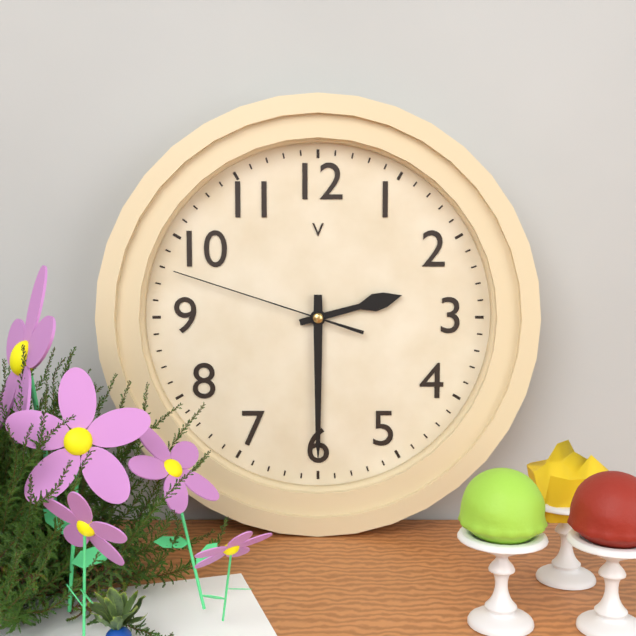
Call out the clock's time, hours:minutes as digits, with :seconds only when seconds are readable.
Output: 2:30:48
